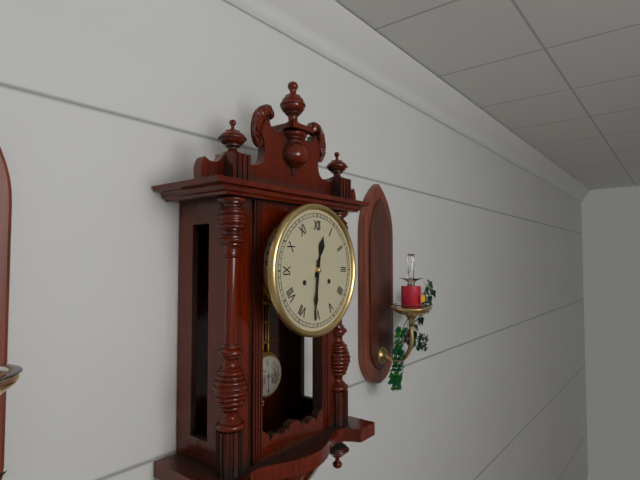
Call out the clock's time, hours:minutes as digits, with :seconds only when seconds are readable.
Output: 12:31
